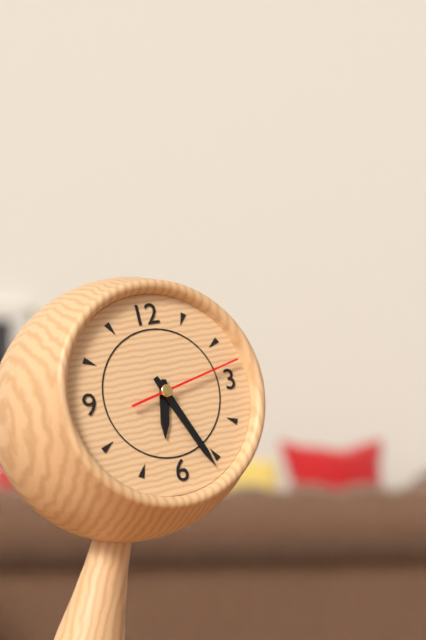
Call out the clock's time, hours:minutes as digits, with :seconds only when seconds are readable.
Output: 6:26:13
